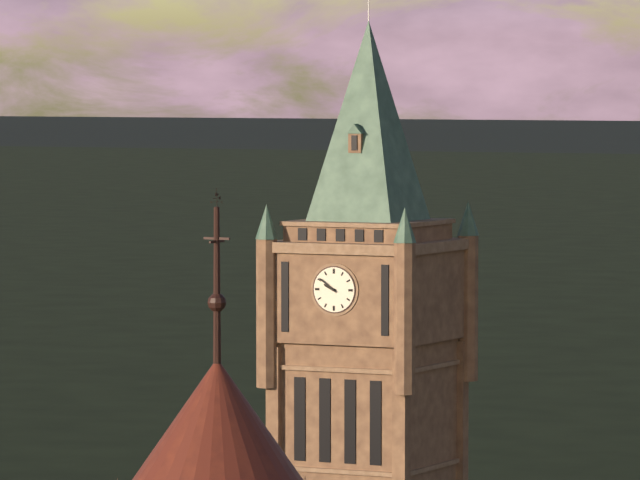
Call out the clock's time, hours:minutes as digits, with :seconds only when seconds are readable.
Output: 9:51
